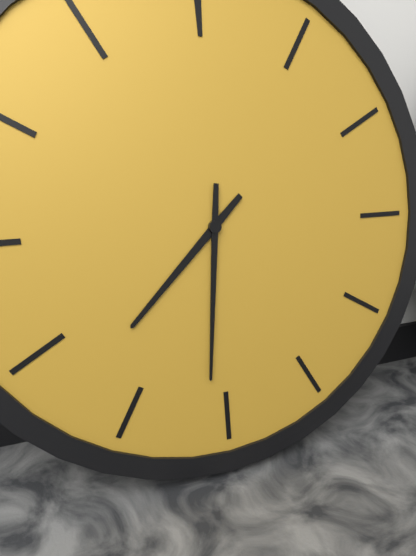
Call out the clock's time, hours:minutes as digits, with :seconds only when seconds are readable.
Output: 7:31
